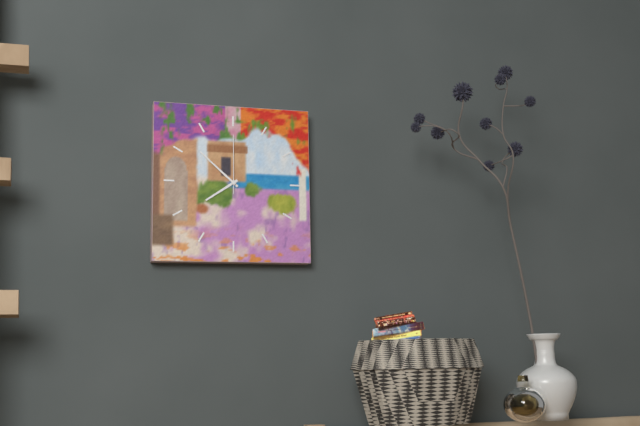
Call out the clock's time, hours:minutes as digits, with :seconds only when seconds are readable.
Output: 7:52:00
